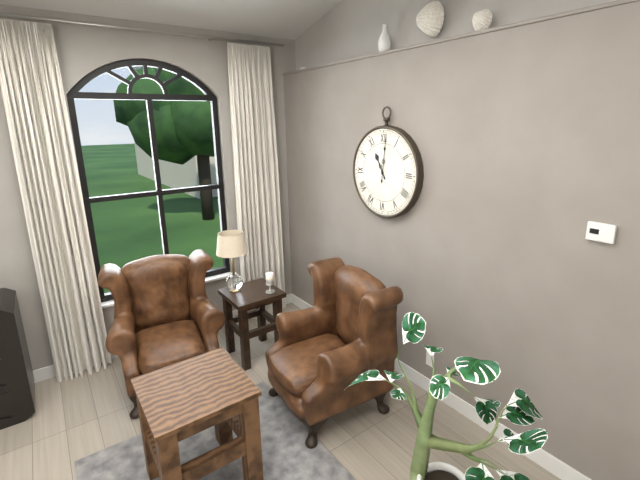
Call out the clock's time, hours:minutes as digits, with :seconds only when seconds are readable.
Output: 11:01
